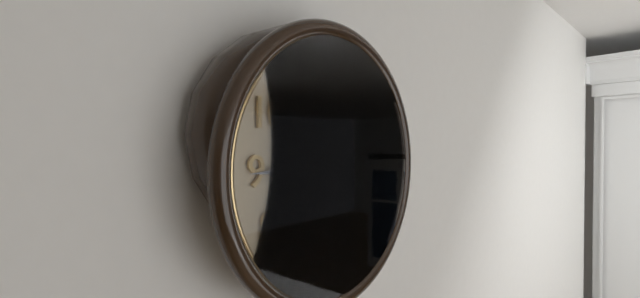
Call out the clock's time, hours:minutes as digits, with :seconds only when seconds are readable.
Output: 3:45:53
